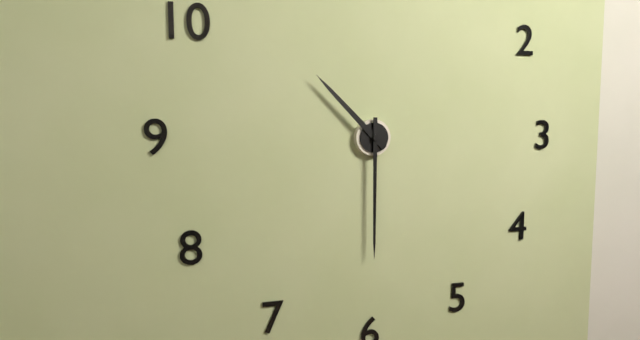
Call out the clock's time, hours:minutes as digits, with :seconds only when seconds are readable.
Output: 10:30
